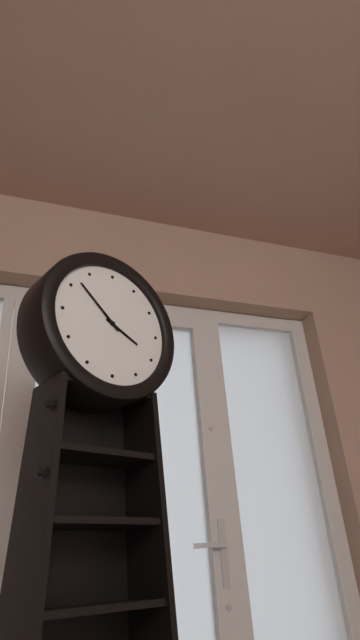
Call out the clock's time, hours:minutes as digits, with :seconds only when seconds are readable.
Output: 3:52
